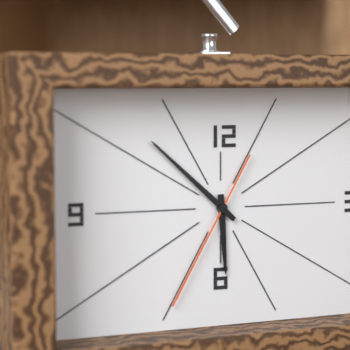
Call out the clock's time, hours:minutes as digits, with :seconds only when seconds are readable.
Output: 5:52:35
